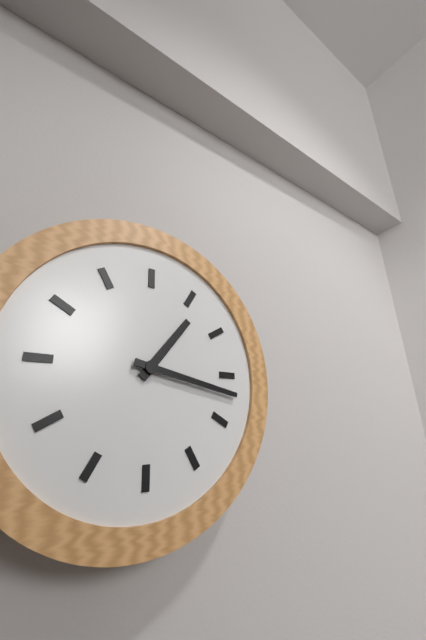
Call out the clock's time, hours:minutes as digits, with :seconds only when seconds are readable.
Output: 1:17
